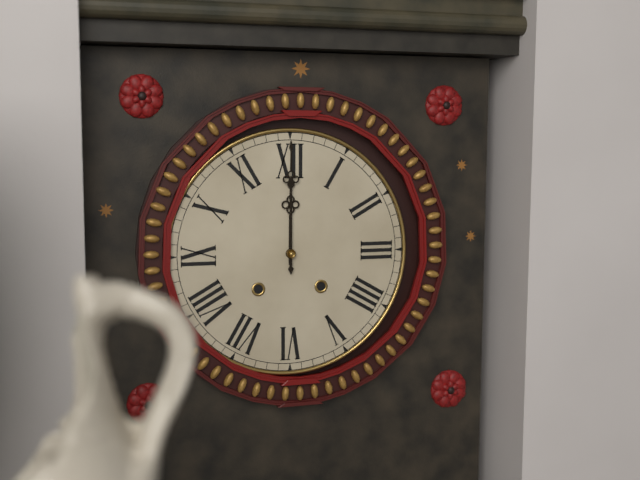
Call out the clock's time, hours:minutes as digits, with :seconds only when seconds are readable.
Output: 12:00
